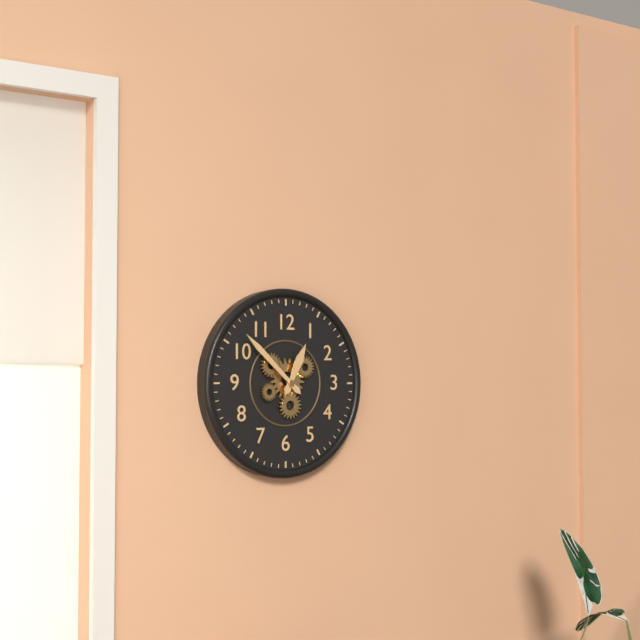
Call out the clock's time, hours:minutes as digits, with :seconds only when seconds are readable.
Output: 12:52
